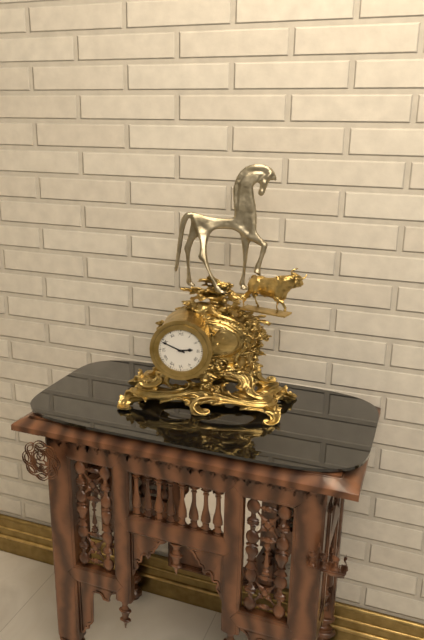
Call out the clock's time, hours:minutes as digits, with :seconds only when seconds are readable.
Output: 2:49
